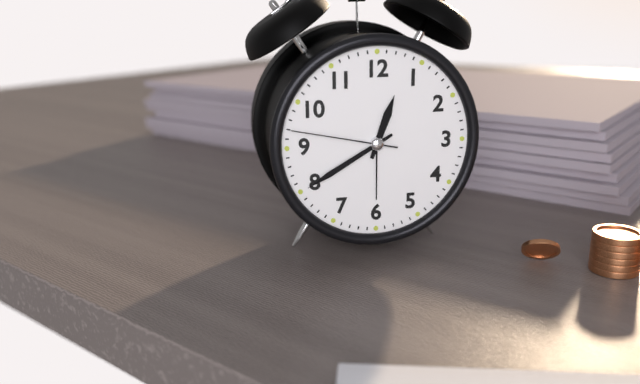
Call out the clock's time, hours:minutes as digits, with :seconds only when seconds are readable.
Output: 12:40:47
